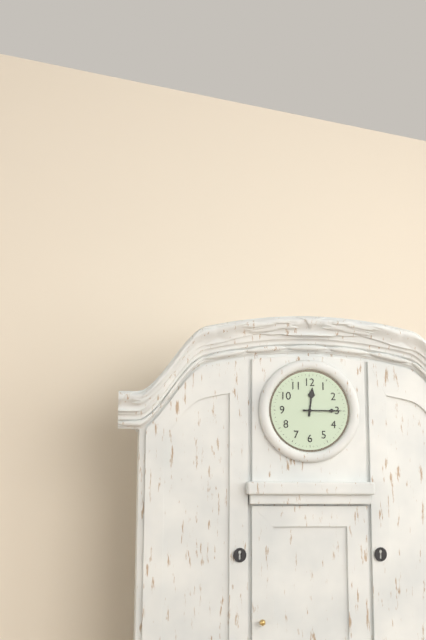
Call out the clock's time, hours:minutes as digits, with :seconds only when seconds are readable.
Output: 12:15
